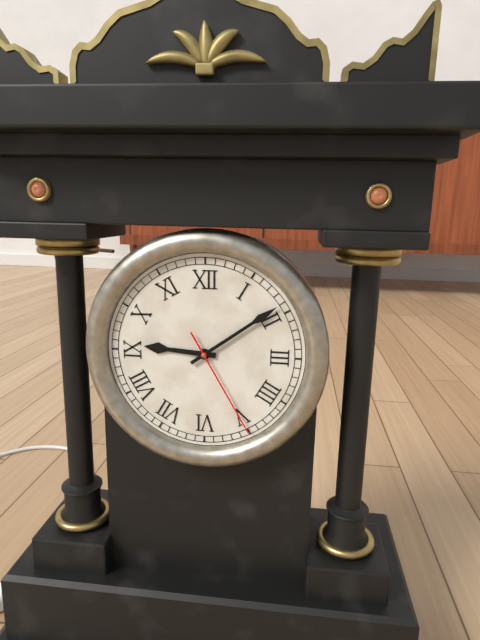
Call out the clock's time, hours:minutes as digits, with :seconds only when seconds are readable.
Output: 9:09:25
